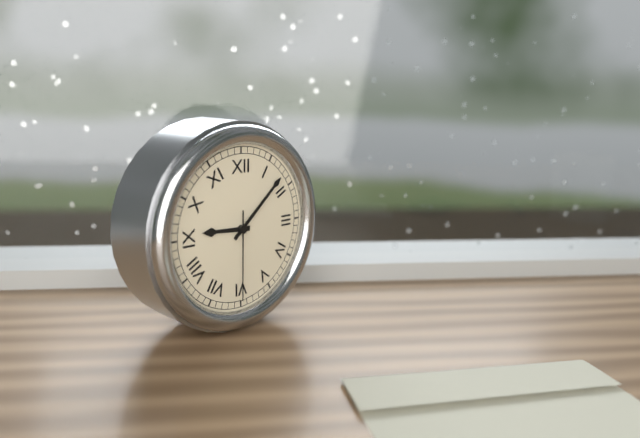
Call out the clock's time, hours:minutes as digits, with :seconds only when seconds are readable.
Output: 9:08:30
